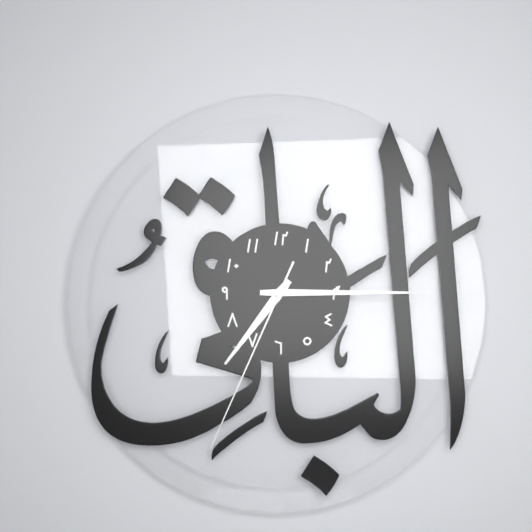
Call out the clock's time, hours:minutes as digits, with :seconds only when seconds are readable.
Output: 7:15:34
